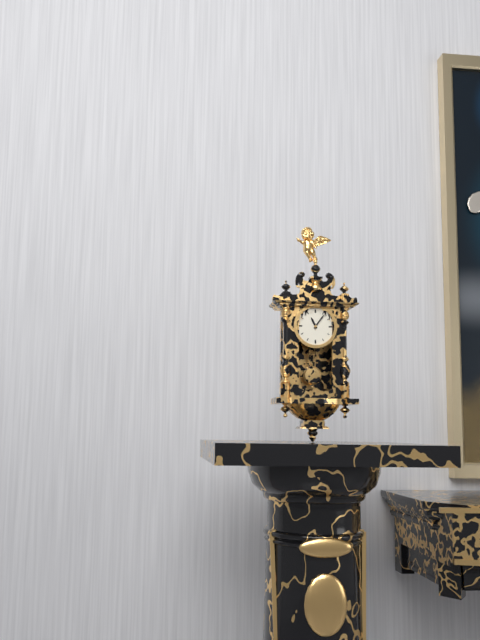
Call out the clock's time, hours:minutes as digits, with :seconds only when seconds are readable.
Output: 11:06
